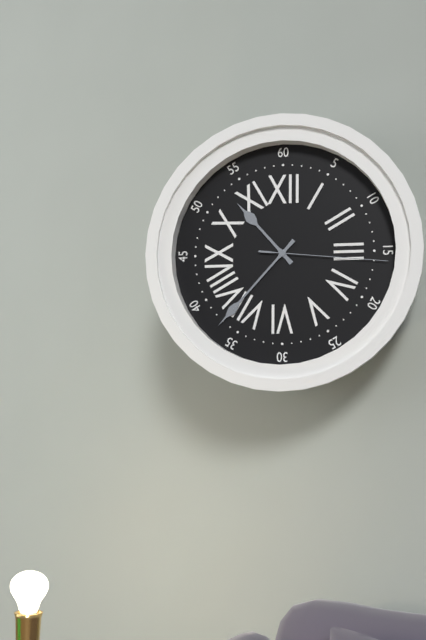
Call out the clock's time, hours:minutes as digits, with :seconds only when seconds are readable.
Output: 10:37:16
